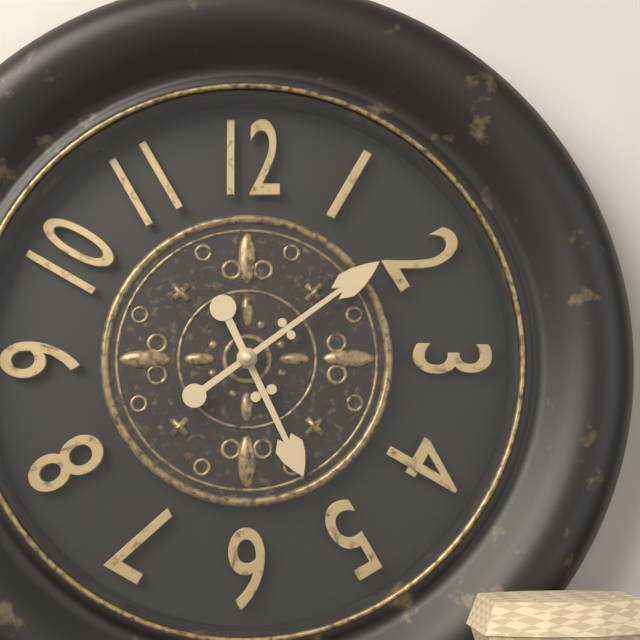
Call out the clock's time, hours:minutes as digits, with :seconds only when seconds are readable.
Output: 5:09
